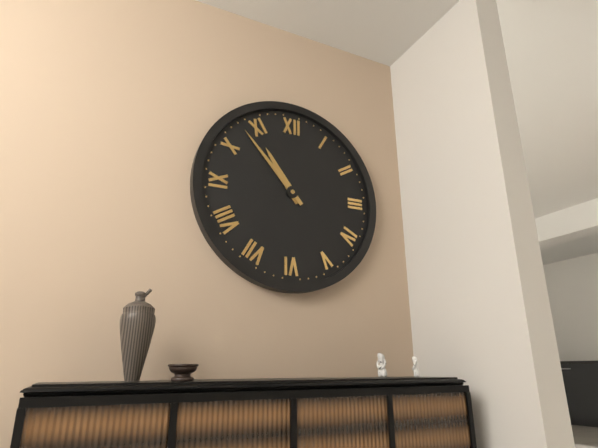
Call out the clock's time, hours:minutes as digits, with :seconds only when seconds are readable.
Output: 10:53
